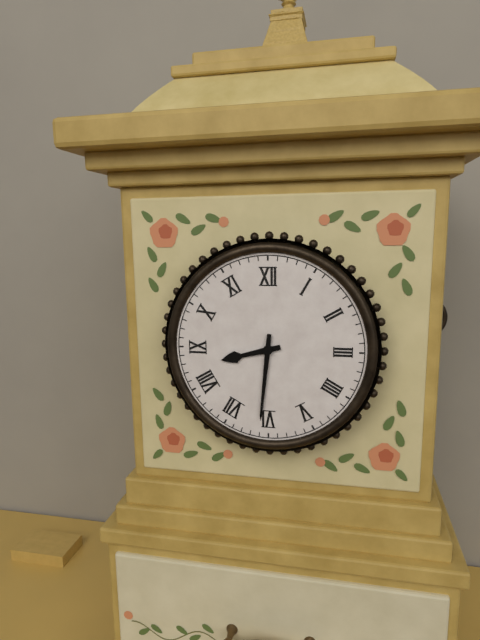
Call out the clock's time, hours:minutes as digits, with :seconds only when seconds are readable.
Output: 8:31
